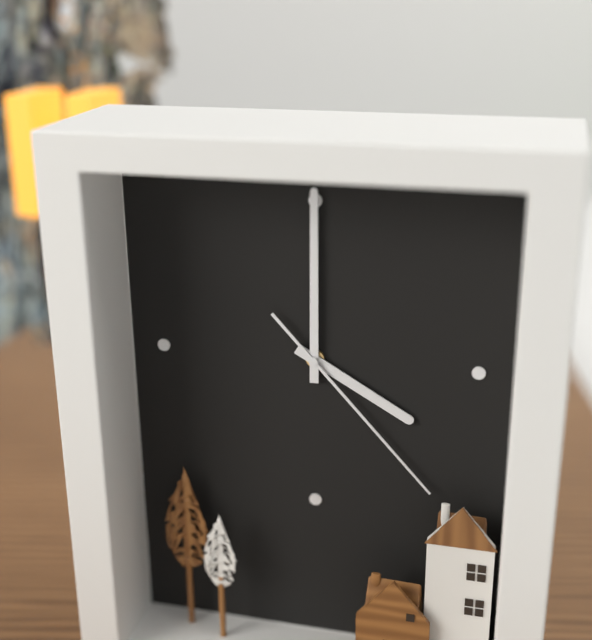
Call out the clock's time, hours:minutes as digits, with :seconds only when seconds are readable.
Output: 4:00:23
